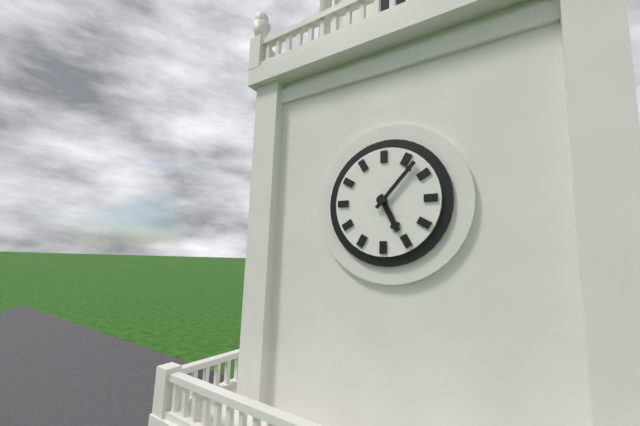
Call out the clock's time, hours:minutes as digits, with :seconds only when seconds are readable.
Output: 5:07
